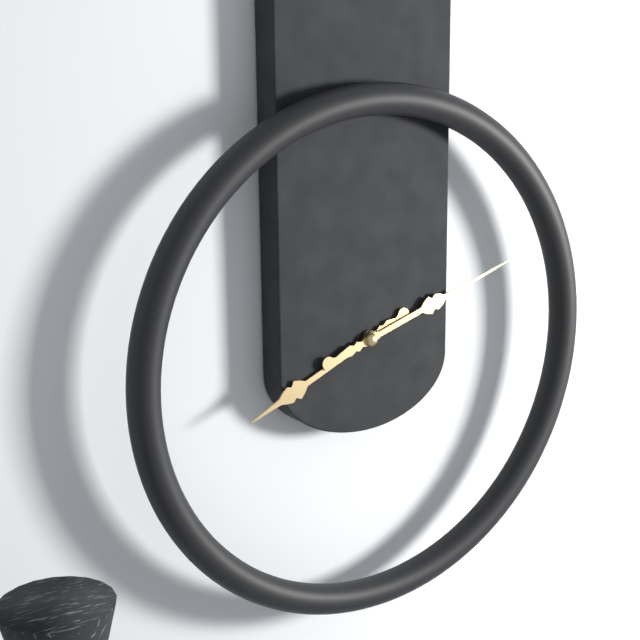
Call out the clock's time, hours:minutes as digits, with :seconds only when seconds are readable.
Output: 8:12
